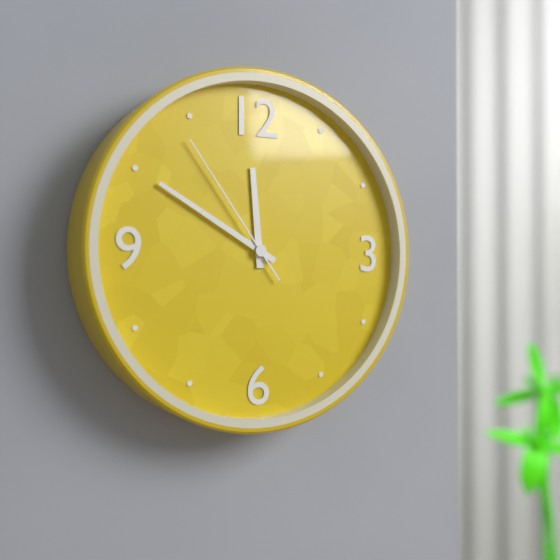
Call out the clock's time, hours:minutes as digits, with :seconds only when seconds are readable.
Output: 11:50:54
